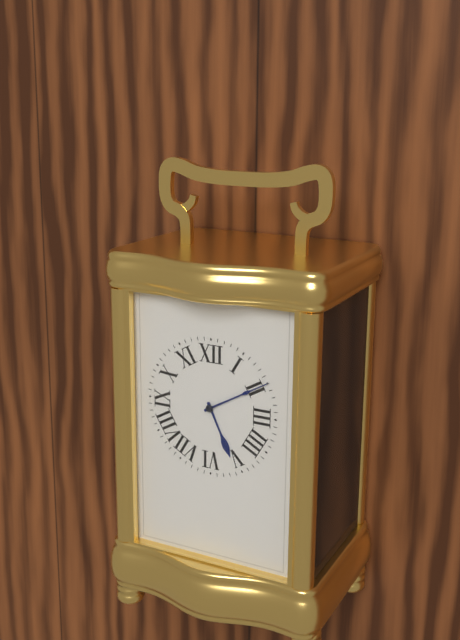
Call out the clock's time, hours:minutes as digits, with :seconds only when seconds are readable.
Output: 5:10
